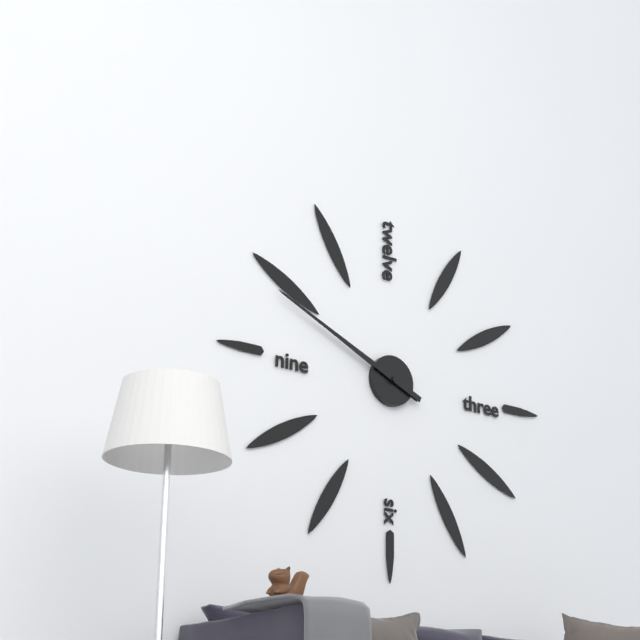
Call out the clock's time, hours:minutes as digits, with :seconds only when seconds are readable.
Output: 9:49
